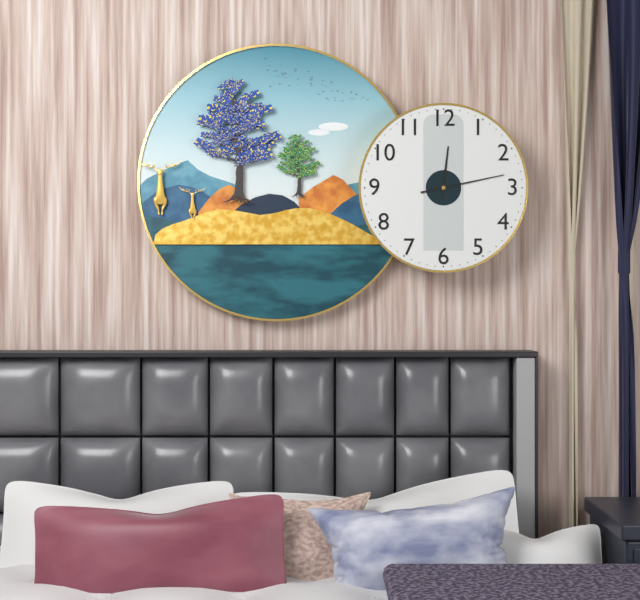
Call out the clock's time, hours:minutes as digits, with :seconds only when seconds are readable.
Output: 12:13
